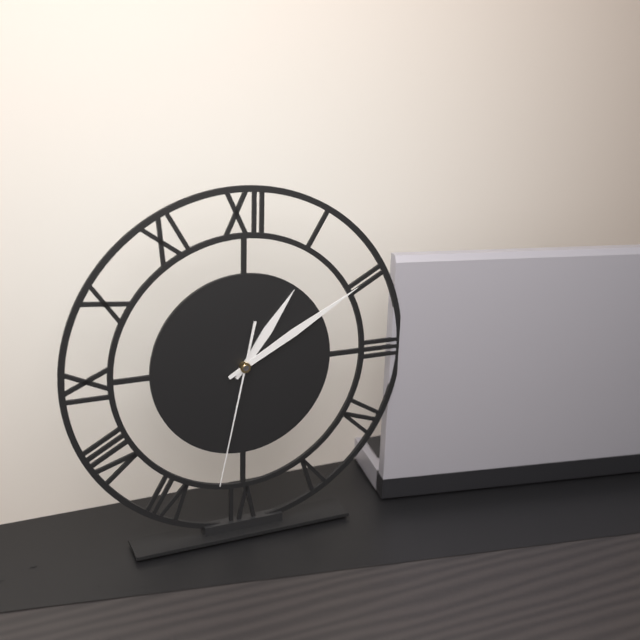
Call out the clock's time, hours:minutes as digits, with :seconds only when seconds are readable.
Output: 1:10:32
